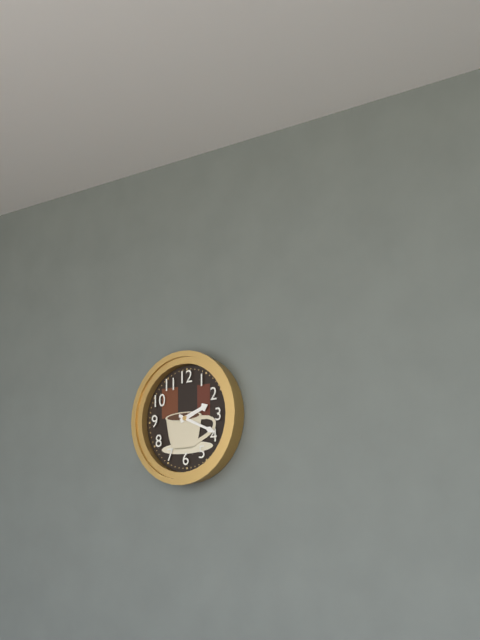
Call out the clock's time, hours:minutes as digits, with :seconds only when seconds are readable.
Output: 2:19
